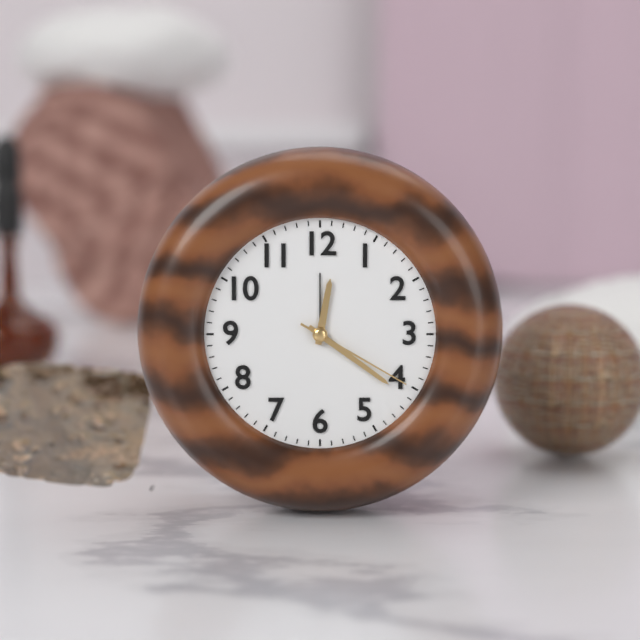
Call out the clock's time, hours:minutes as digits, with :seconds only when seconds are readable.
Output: 12:21:20
